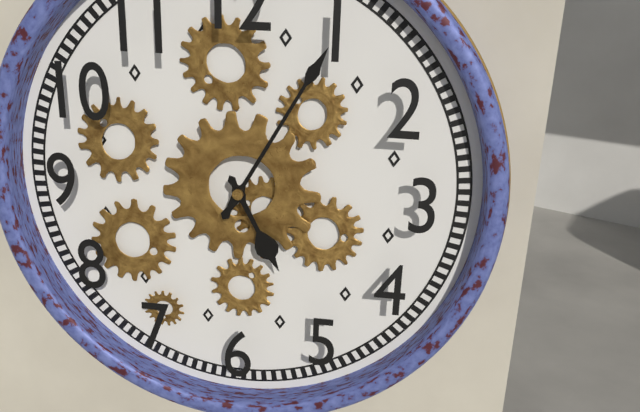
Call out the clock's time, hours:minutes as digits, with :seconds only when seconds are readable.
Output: 5:05
